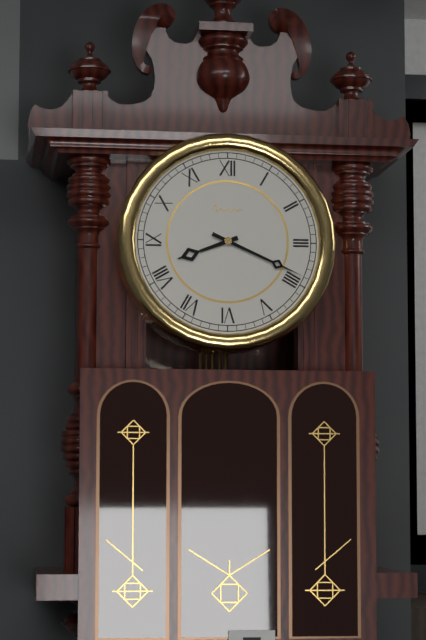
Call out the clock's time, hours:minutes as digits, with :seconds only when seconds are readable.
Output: 8:19
